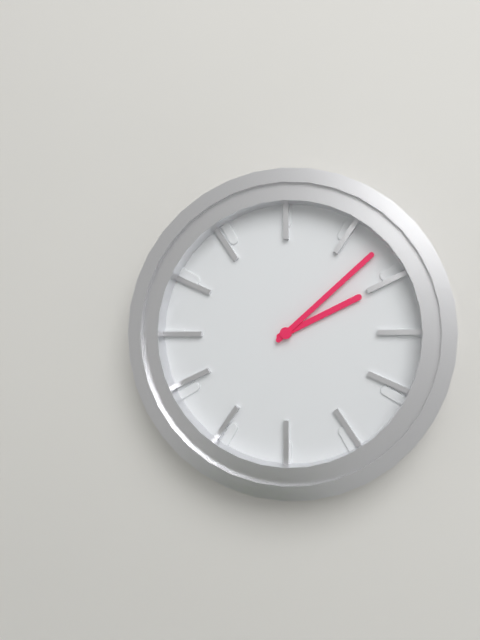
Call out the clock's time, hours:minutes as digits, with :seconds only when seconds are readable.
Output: 2:08
